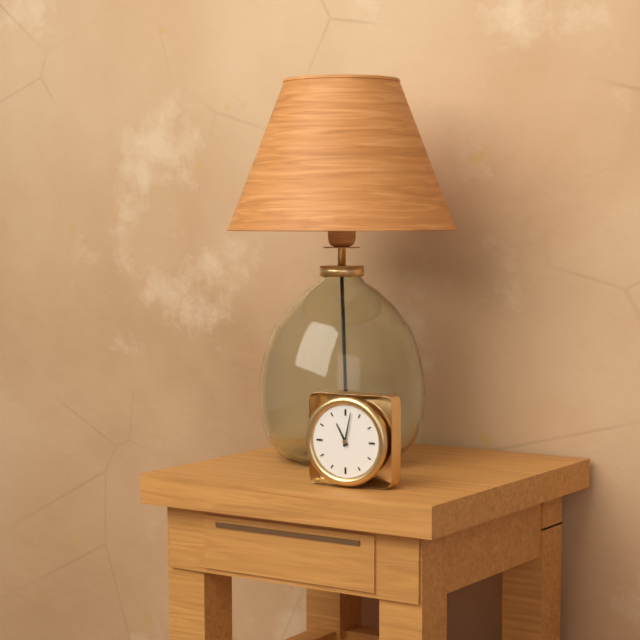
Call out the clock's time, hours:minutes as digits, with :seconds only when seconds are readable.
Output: 11:02
